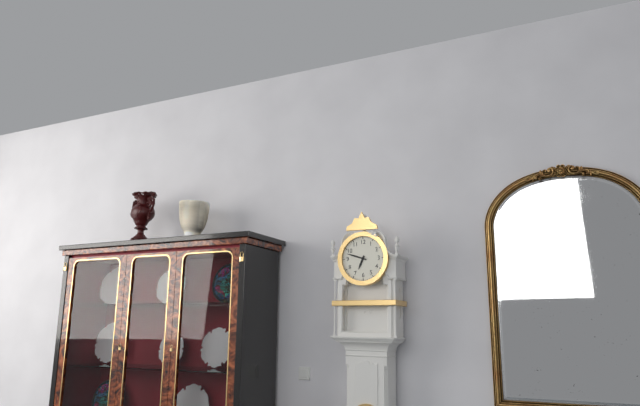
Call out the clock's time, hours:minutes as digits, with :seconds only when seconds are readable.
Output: 6:48
